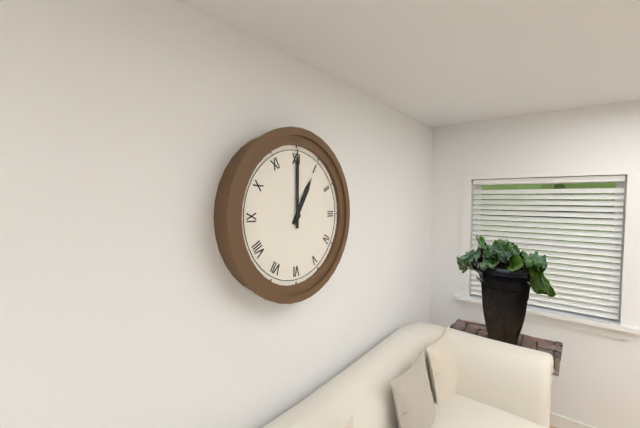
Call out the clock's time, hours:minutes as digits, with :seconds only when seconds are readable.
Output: 1:00
